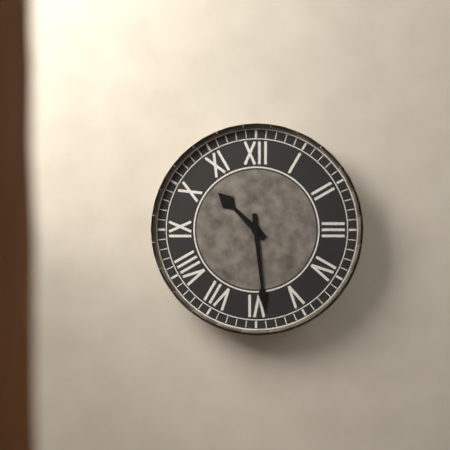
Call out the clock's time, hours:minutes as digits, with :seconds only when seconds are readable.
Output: 10:29
